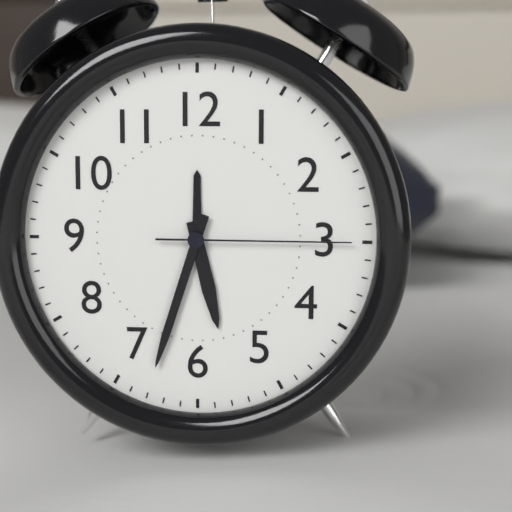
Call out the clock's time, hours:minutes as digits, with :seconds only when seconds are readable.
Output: 5:33:15
